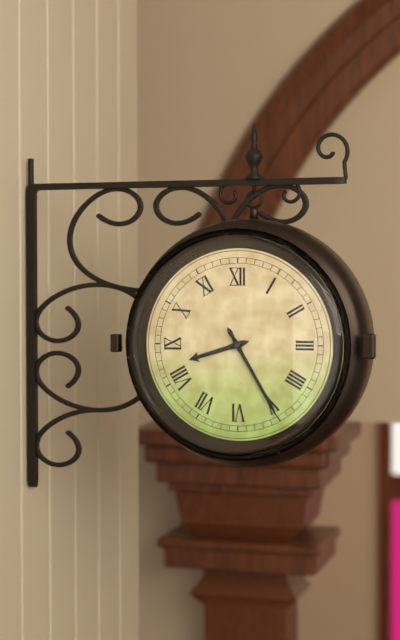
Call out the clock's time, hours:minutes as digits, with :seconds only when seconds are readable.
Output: 8:25
